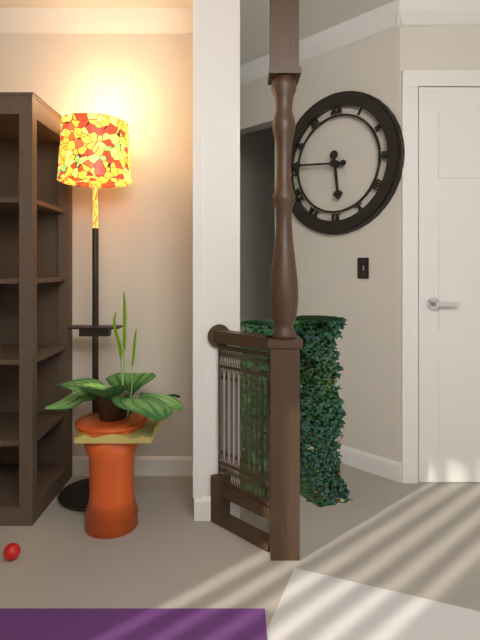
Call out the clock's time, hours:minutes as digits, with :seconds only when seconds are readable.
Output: 5:46
